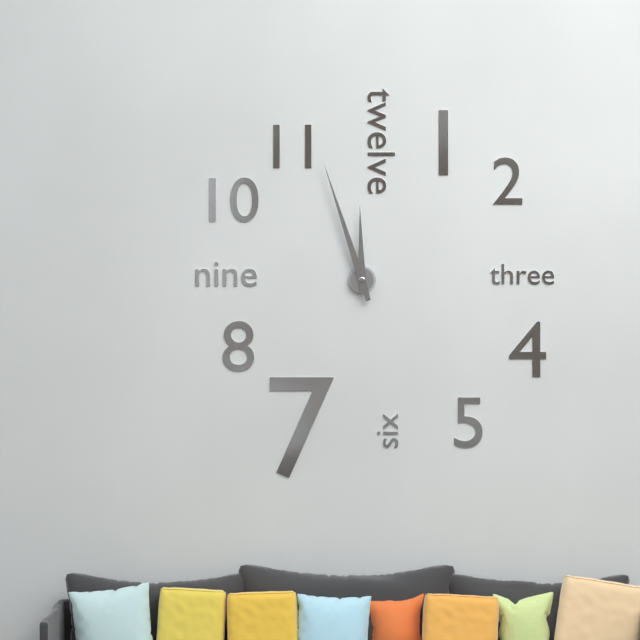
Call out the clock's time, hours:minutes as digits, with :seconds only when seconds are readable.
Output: 11:57
